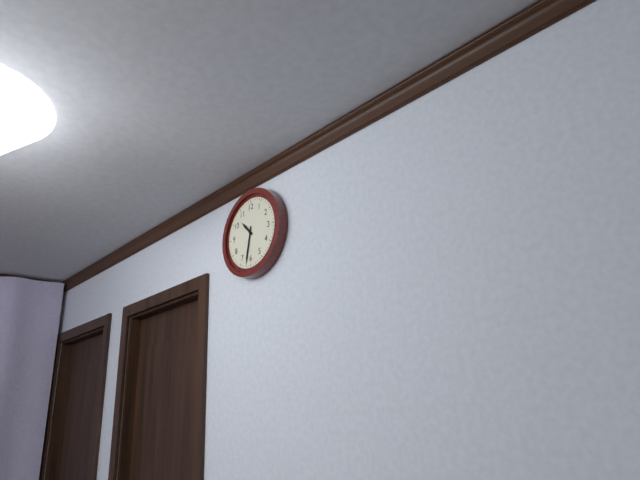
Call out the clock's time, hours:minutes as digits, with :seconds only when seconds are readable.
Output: 10:32
